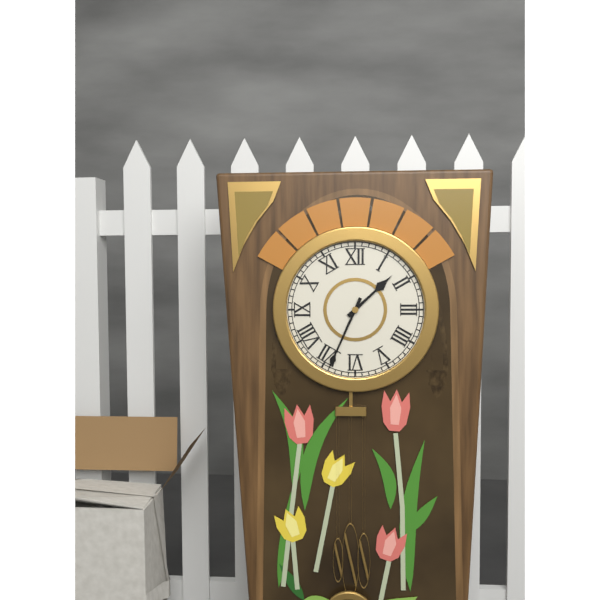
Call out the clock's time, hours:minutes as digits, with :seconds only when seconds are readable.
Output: 1:34
